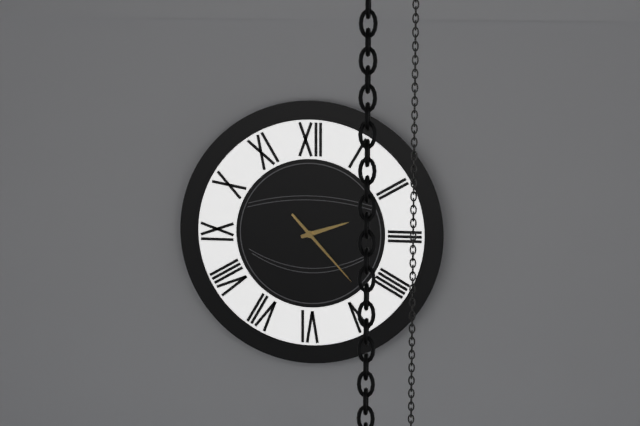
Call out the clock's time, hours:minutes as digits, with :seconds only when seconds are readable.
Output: 2:23
